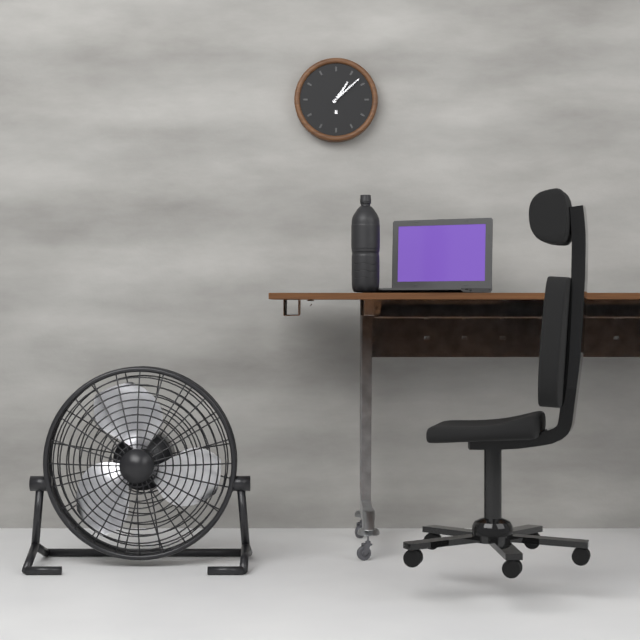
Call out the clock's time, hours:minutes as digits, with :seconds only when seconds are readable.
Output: 1:08
